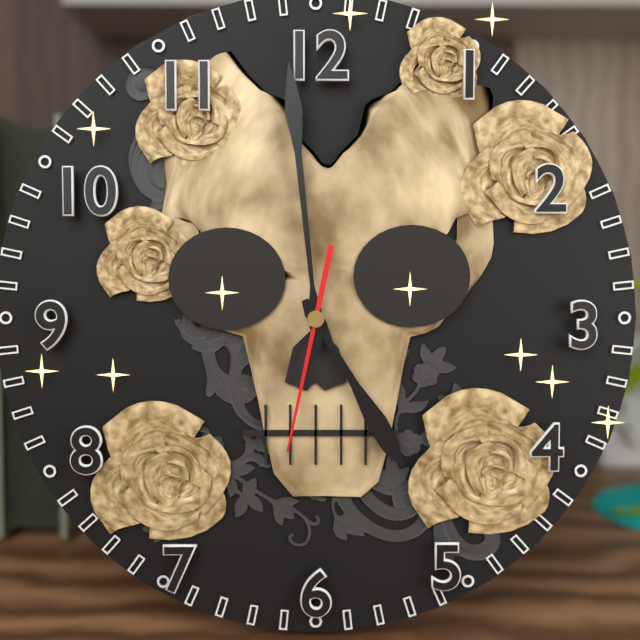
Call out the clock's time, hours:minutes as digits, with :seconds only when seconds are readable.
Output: 4:59:32
